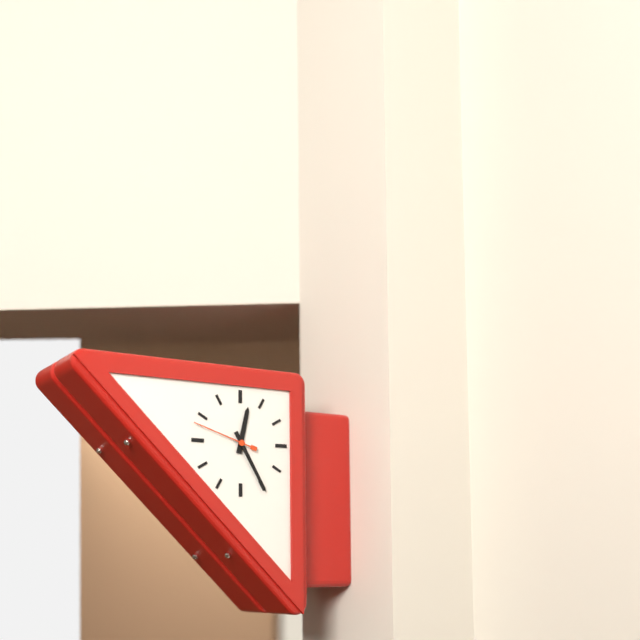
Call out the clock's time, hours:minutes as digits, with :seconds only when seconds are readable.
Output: 12:25:48
